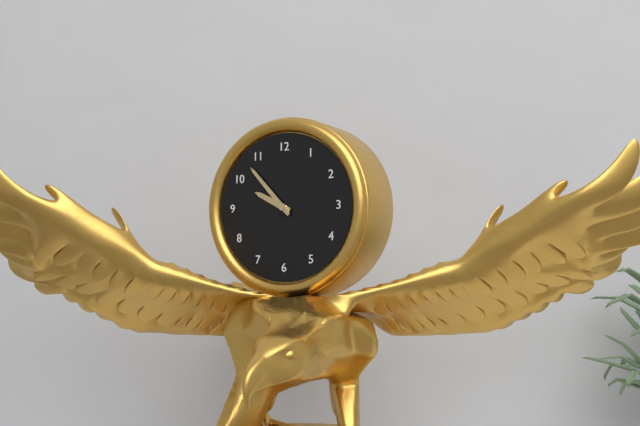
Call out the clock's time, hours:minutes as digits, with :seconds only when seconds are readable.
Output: 9:53
